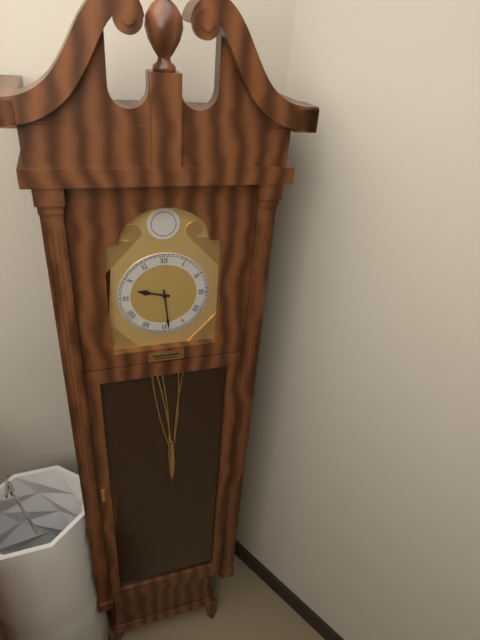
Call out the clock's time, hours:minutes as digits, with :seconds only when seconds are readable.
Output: 9:29
